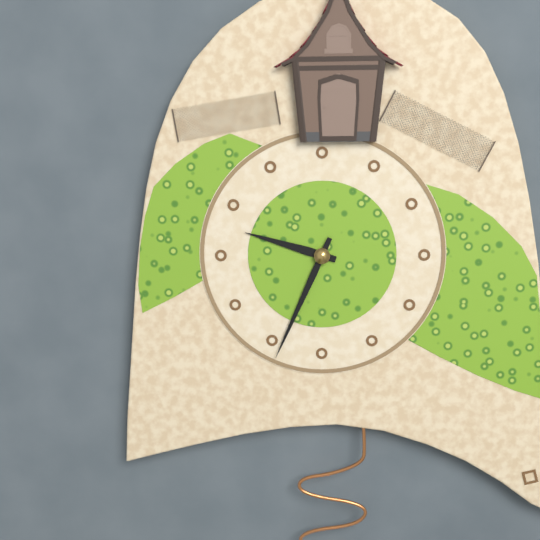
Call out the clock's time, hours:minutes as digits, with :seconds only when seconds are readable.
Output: 9:34
